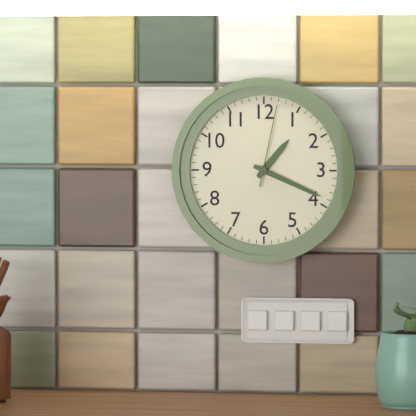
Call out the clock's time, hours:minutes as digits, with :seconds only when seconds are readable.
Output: 1:19:02
